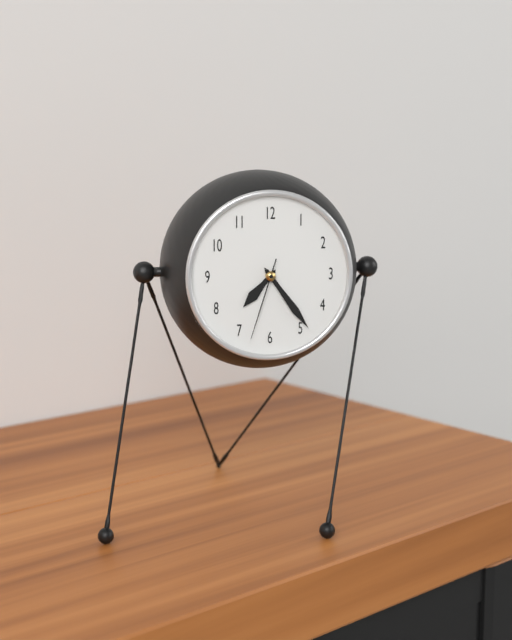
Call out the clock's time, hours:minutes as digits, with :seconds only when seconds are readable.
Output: 7:24:33
